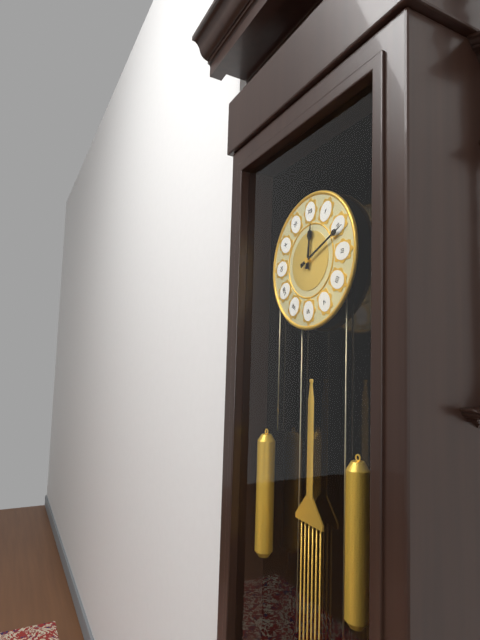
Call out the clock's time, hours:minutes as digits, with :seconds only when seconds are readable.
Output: 12:11
